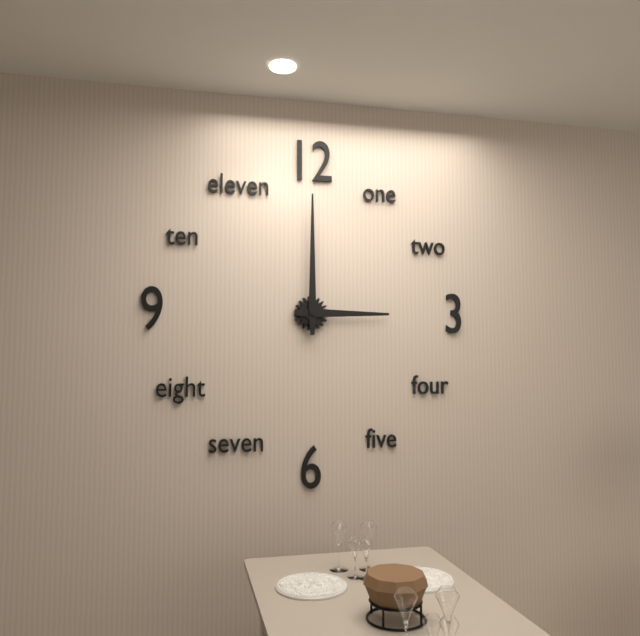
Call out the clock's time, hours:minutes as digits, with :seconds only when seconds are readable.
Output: 3:00
